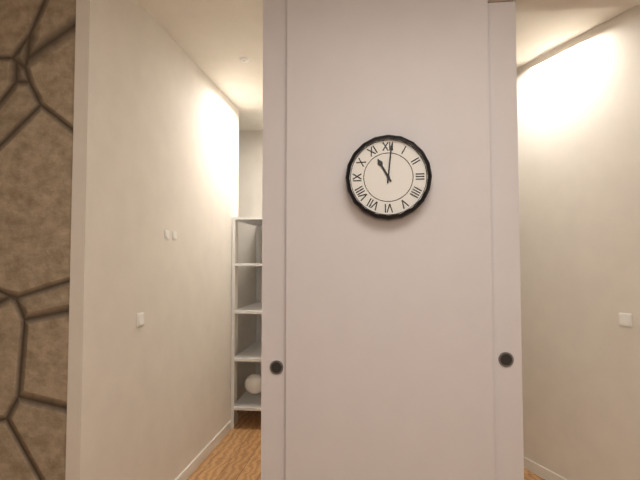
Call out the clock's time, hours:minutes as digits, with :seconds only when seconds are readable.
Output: 11:01
